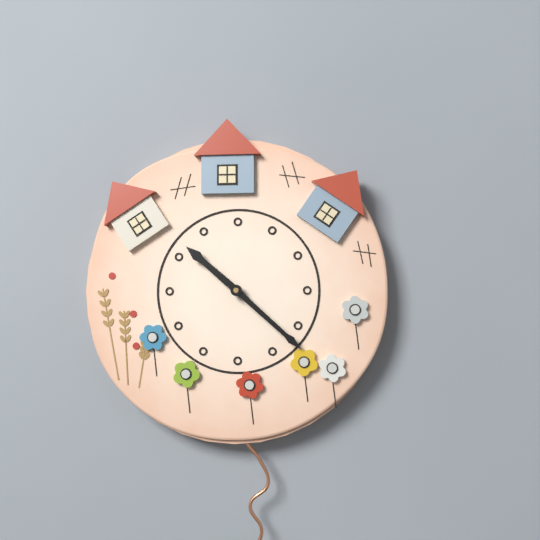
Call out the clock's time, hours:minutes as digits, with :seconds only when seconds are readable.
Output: 10:22
